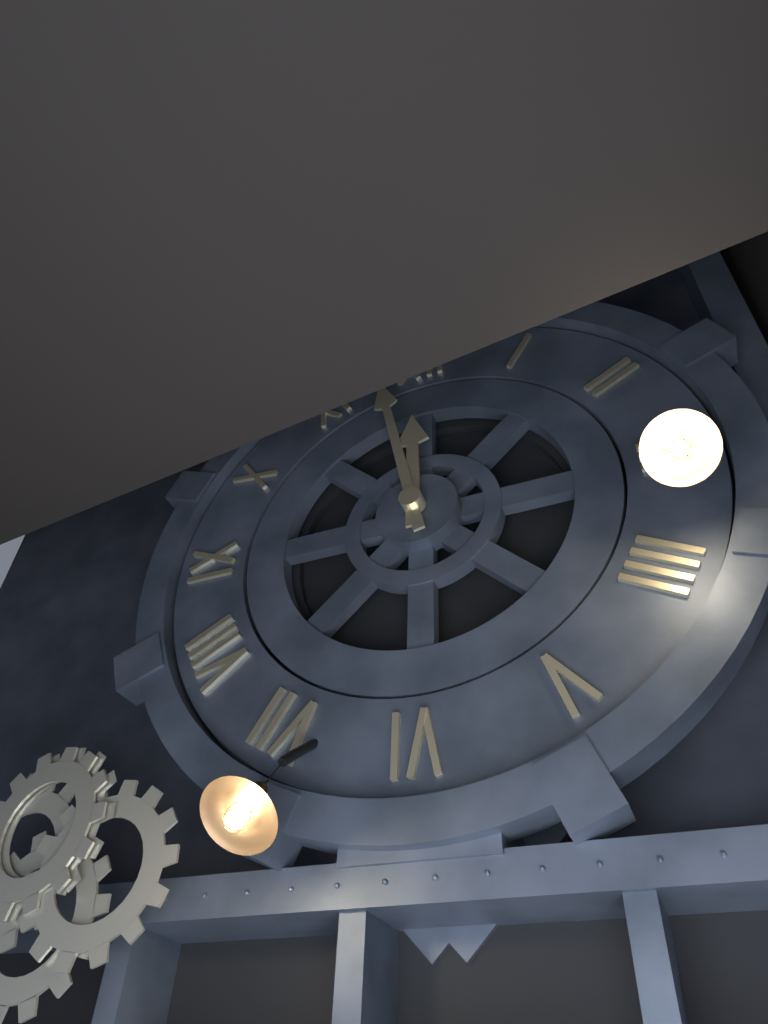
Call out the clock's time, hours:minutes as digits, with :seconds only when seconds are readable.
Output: 11:58
